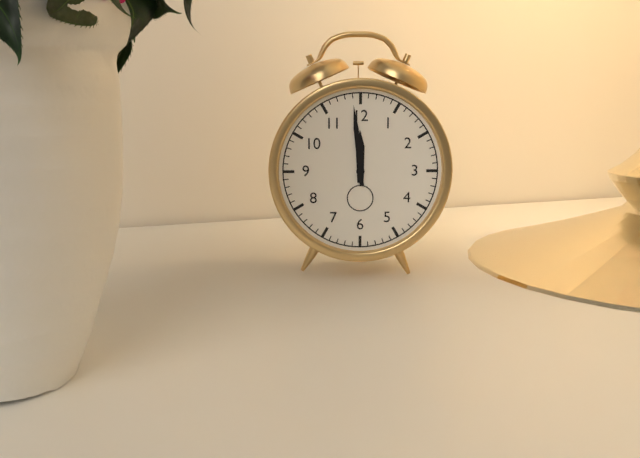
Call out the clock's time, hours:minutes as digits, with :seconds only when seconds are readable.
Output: 11:59
